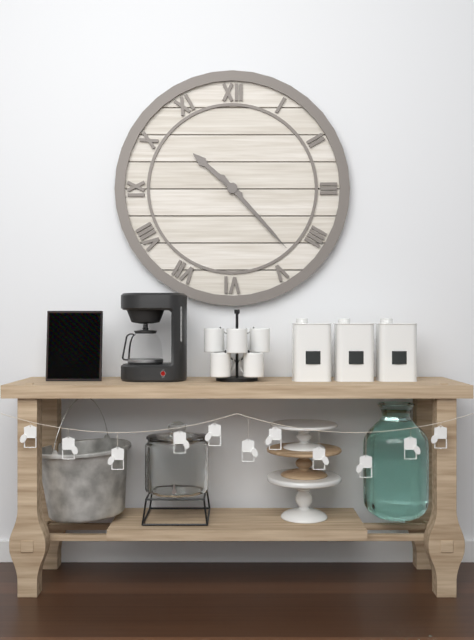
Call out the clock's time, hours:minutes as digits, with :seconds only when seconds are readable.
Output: 10:23
